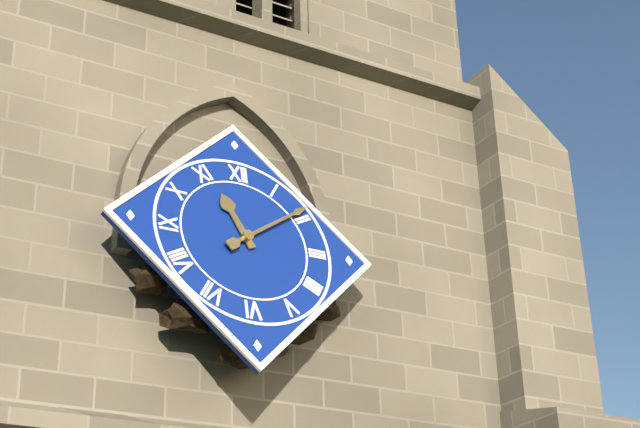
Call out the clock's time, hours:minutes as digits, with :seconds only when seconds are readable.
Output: 11:09
